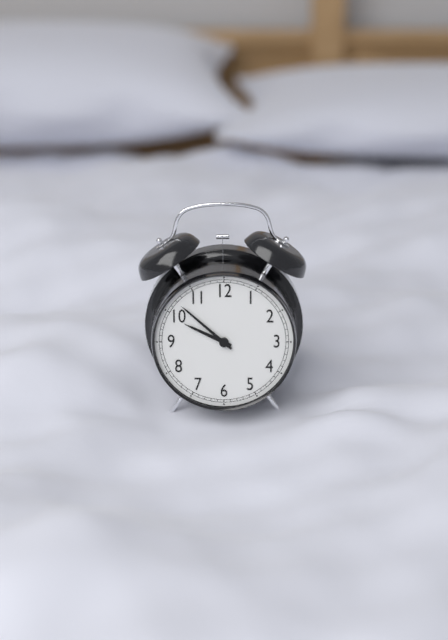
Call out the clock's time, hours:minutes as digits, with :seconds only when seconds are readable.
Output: 9:52
